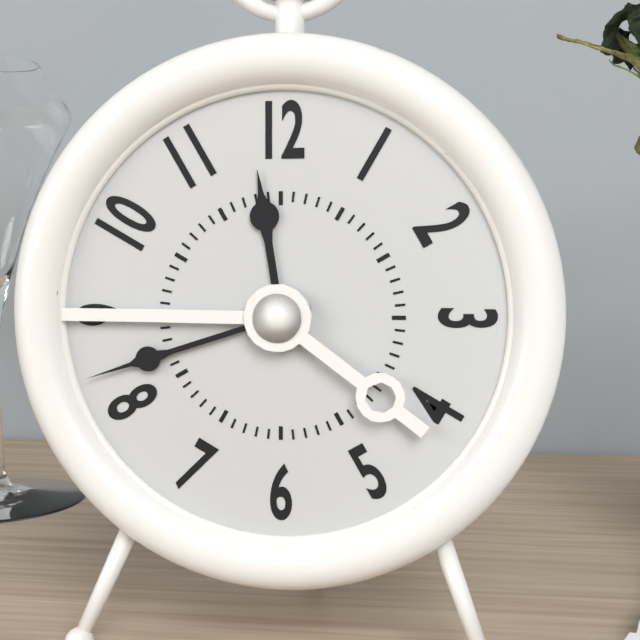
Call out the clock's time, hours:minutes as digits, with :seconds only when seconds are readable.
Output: 11:42
